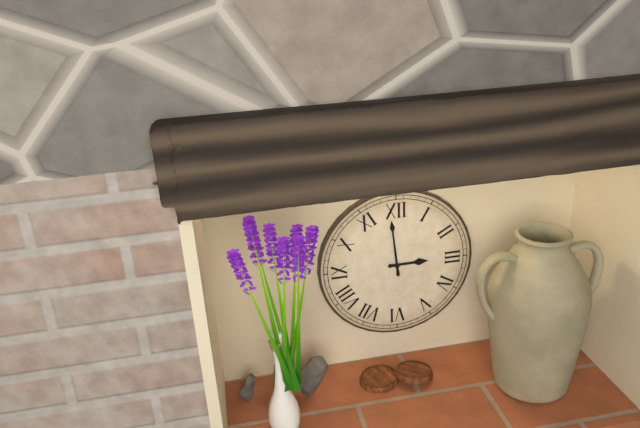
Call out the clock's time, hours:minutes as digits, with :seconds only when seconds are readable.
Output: 2:59
